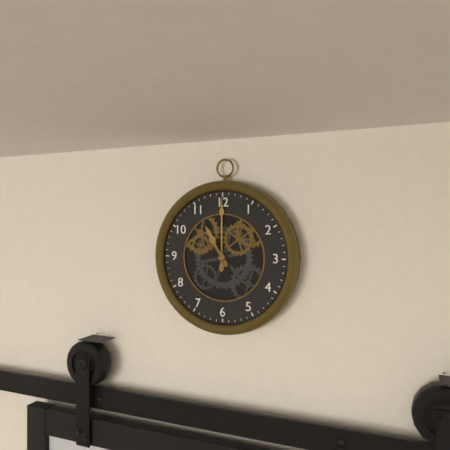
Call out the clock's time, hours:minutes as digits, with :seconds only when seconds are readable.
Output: 11:00
